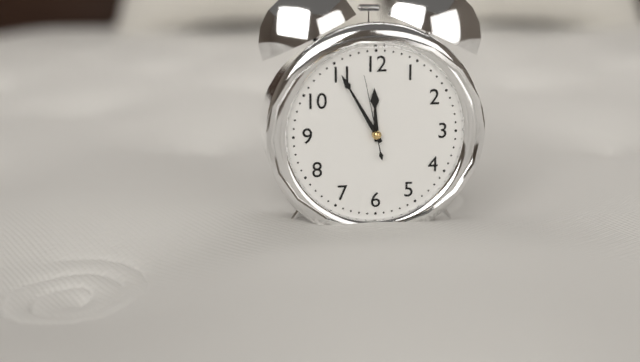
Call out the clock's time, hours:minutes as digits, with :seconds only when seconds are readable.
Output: 11:55:58
